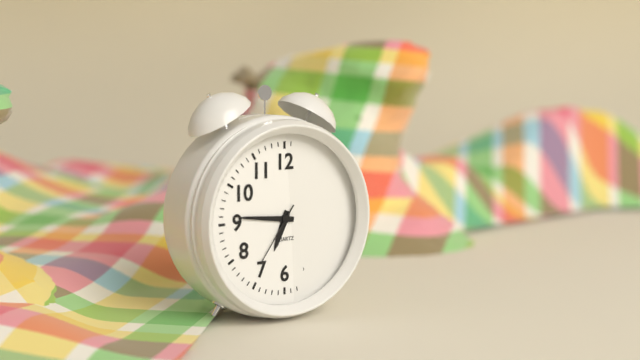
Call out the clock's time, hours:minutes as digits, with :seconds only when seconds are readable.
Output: 6:46:36
